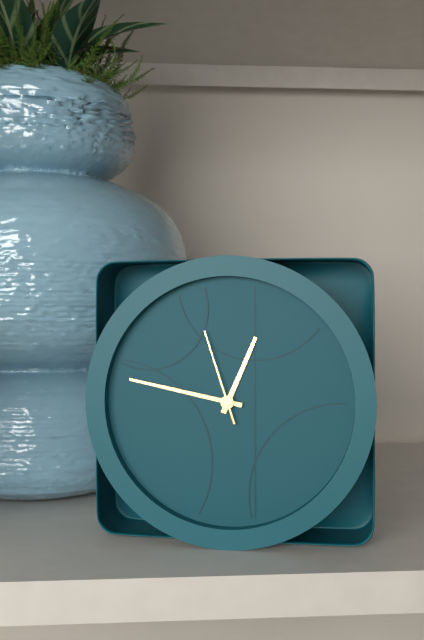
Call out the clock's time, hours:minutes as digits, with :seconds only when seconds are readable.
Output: 12:47:57
